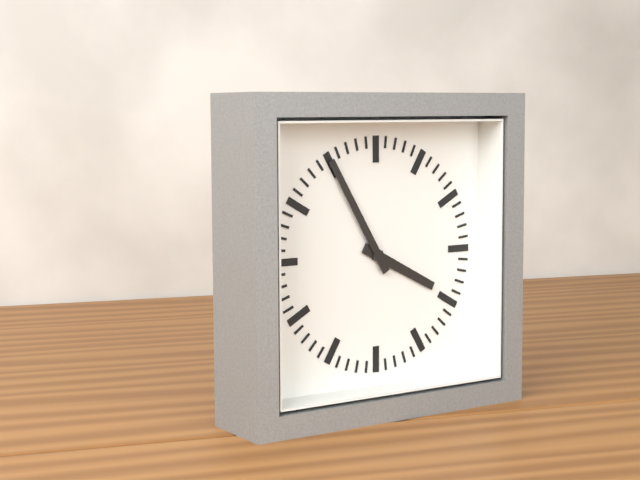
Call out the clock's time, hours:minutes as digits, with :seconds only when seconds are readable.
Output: 3:55
